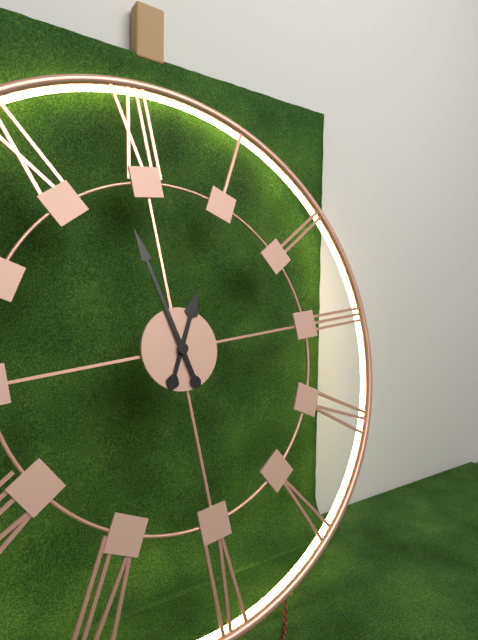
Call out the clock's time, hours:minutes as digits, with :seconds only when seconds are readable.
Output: 12:58
